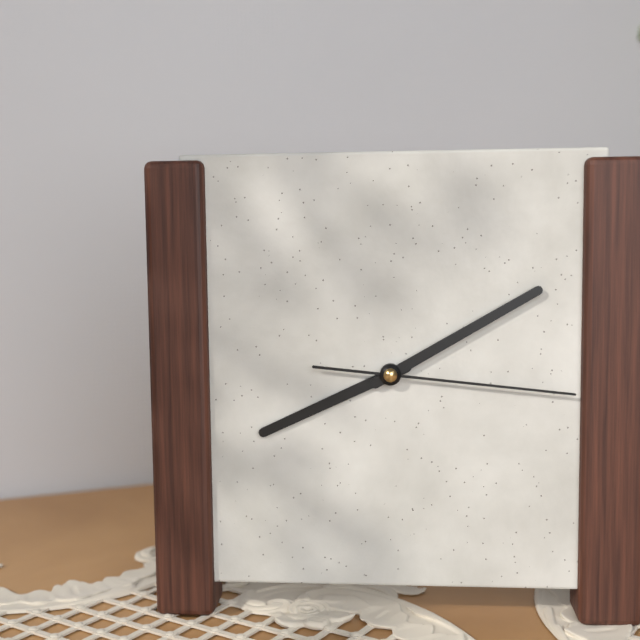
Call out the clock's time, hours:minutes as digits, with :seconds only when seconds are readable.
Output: 8:10:16
